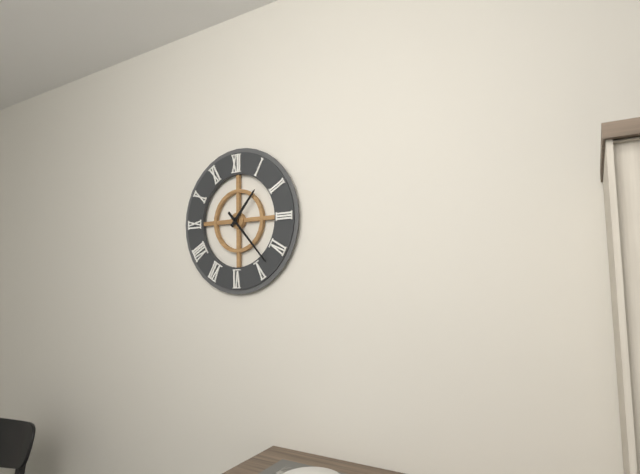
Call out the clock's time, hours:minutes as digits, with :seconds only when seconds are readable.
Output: 1:23
